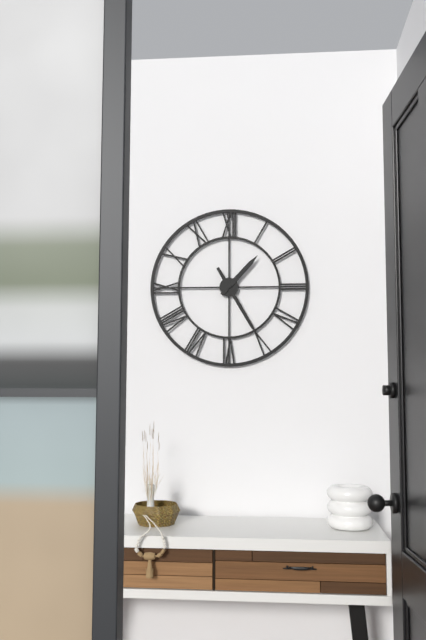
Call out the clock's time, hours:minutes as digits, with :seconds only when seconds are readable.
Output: 1:25
